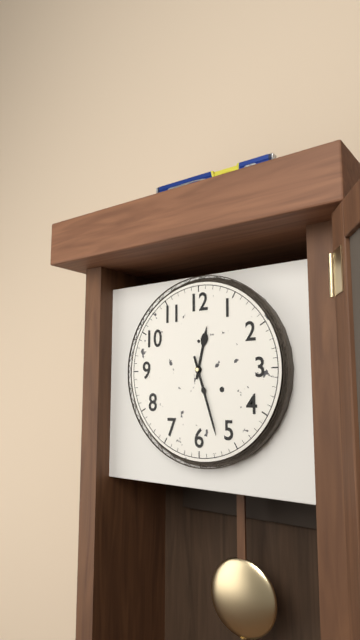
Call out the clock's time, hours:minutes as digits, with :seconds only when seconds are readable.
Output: 12:27
